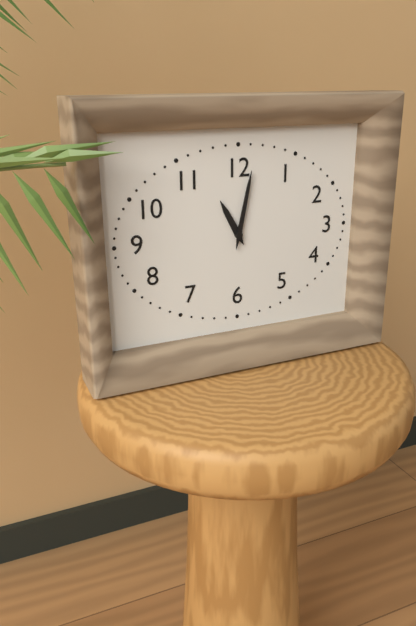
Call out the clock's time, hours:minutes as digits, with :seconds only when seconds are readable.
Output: 11:02
